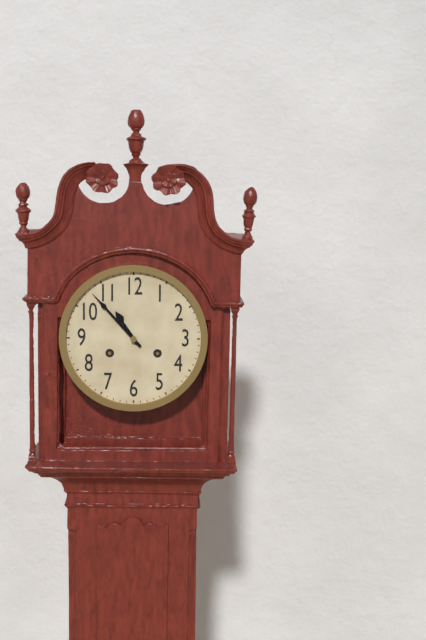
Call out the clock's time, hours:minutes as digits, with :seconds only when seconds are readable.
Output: 10:53
